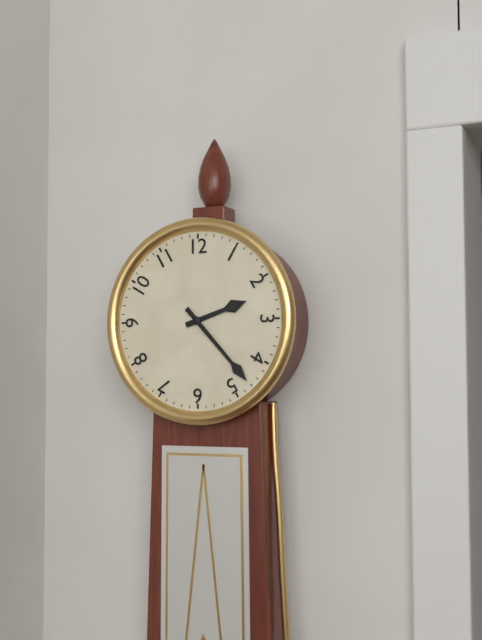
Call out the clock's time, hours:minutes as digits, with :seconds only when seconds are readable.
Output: 2:23
